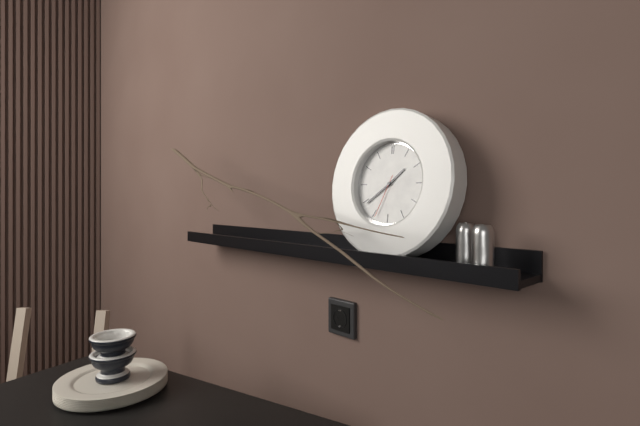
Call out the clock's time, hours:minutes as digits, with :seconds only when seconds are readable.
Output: 1:39
